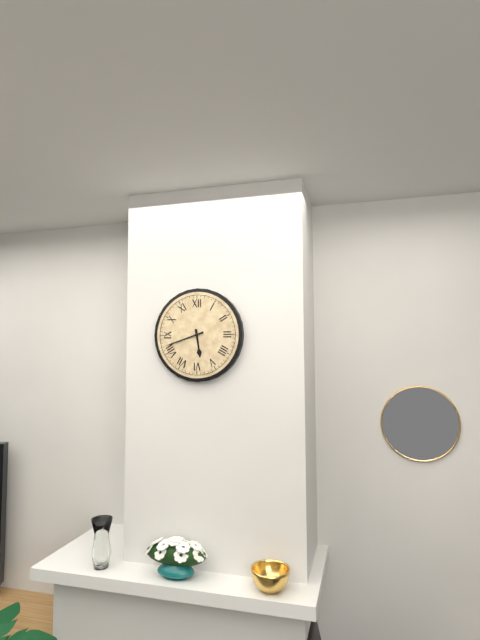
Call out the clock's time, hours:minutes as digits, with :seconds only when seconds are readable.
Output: 5:42
